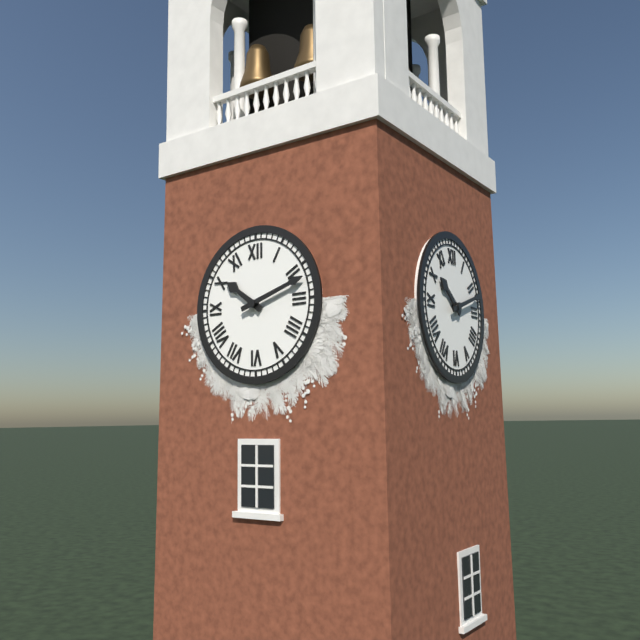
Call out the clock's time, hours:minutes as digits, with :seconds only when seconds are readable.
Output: 10:12
